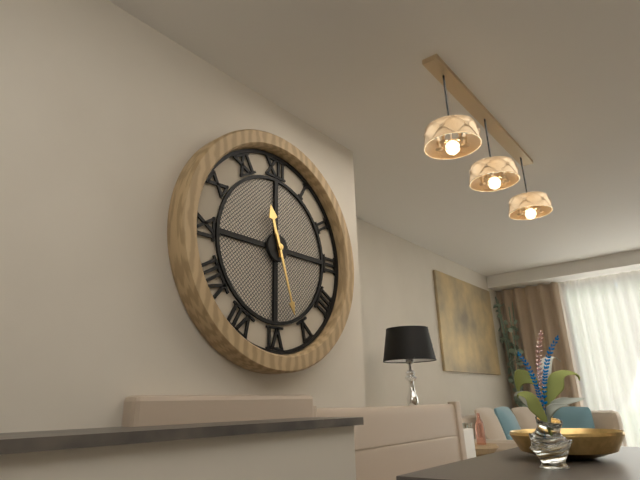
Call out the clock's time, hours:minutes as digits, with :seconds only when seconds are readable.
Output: 11:27
